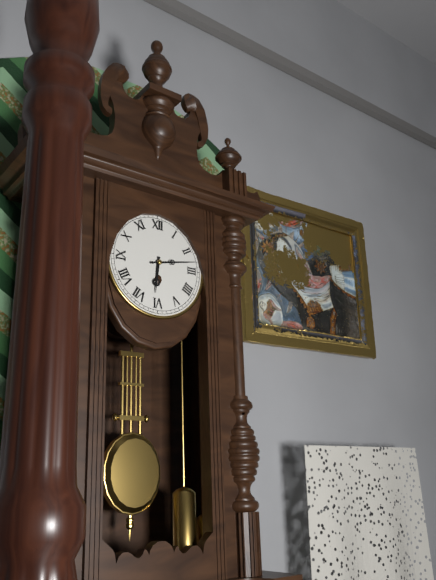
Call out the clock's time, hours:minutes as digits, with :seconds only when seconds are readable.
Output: 6:13
